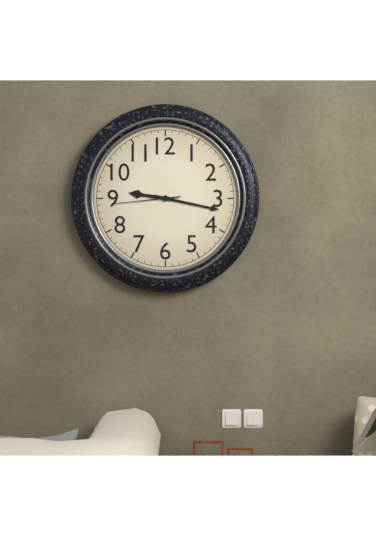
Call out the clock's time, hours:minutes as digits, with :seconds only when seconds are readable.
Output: 9:17:44
